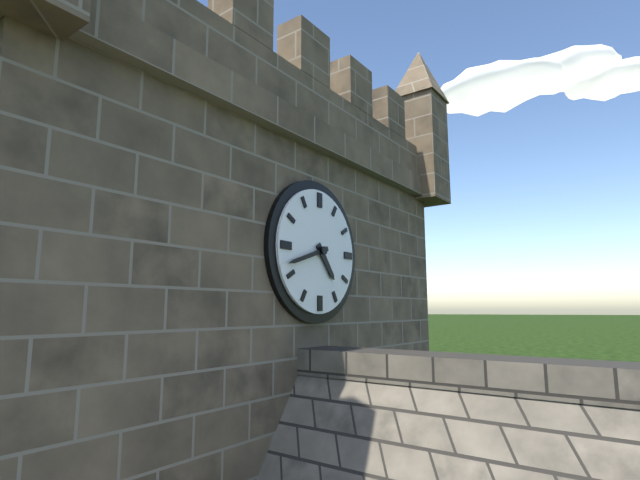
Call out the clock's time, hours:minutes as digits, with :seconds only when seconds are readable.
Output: 4:42
